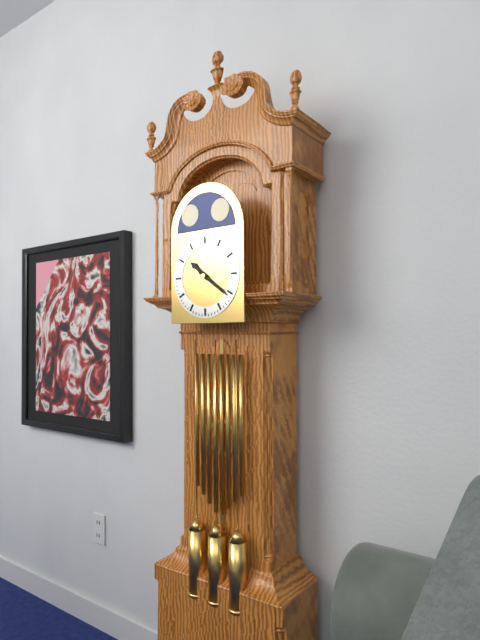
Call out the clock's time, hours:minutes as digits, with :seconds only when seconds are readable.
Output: 10:21
